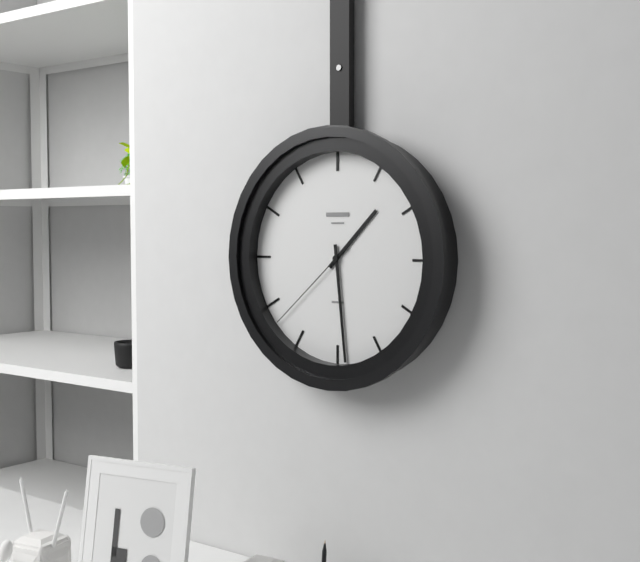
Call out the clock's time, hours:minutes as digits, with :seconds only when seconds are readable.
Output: 1:29:38
